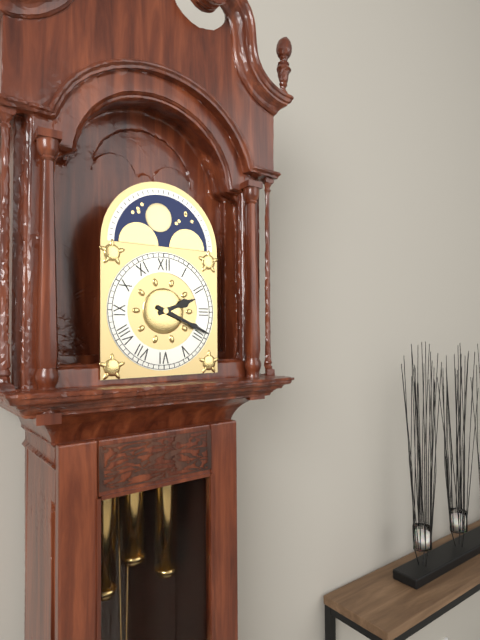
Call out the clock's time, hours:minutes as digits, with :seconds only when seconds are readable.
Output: 2:19
